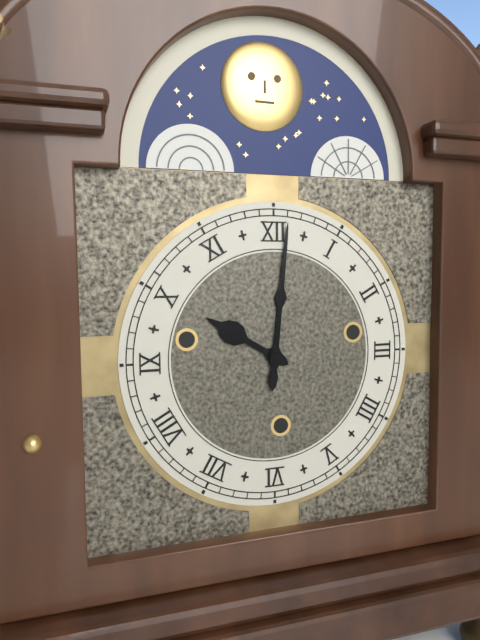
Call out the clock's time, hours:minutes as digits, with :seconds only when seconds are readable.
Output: 10:01
